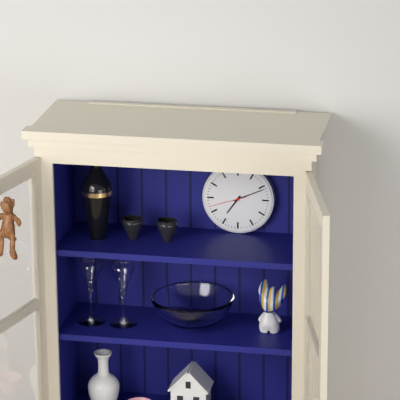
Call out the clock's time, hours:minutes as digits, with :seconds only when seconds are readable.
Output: 7:11
